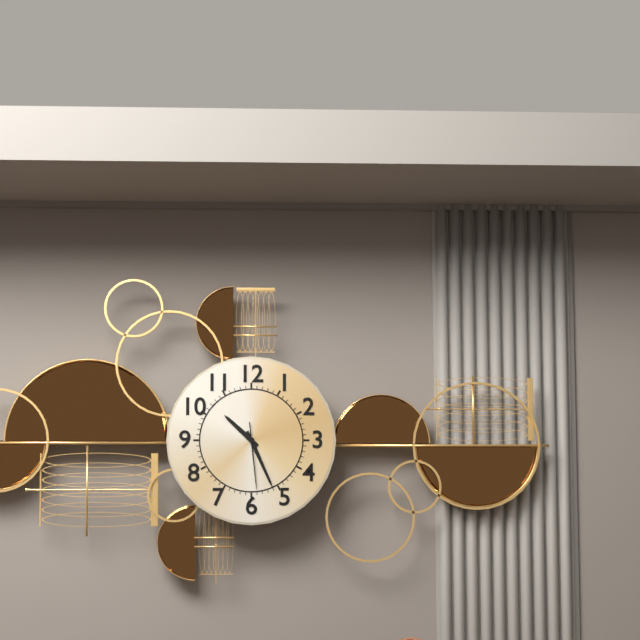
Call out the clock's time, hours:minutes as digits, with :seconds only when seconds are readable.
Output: 10:26:29
